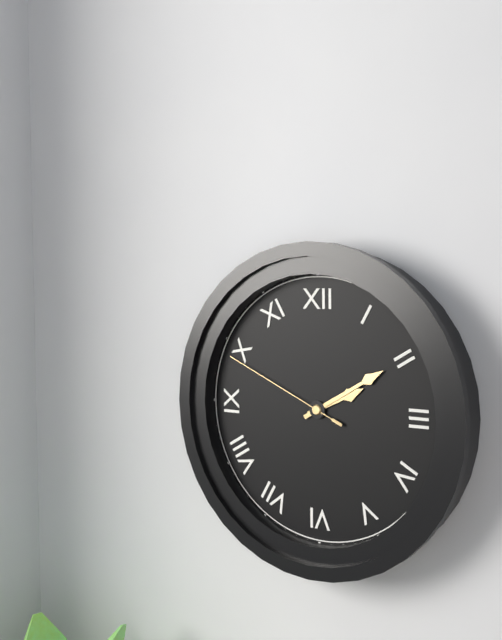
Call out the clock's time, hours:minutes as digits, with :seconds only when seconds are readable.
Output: 2:10:49
